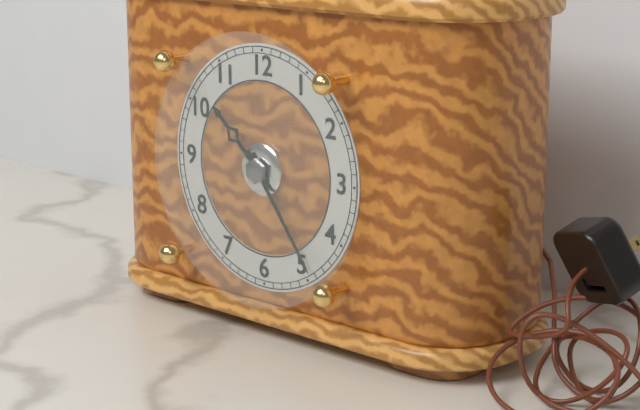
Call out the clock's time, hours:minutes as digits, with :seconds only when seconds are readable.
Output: 10:24
